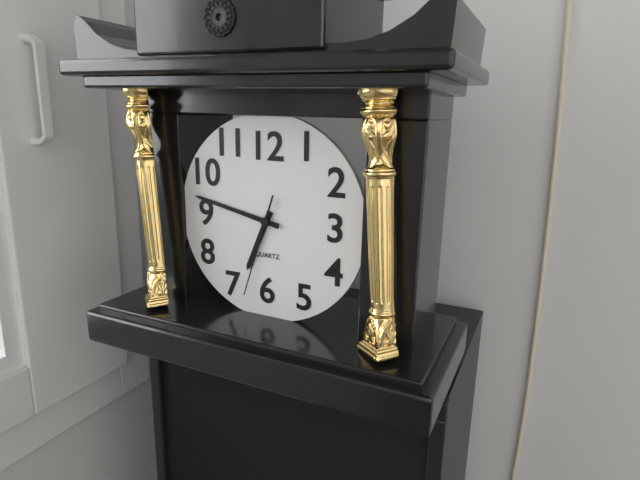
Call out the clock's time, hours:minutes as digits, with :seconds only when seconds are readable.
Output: 6:47:33
